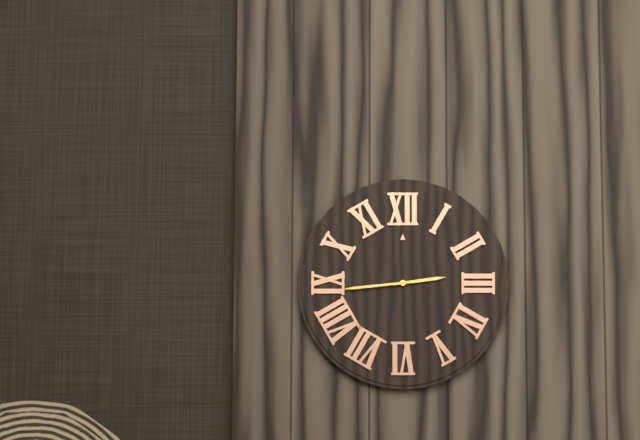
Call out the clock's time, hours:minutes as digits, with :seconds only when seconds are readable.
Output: 2:44
